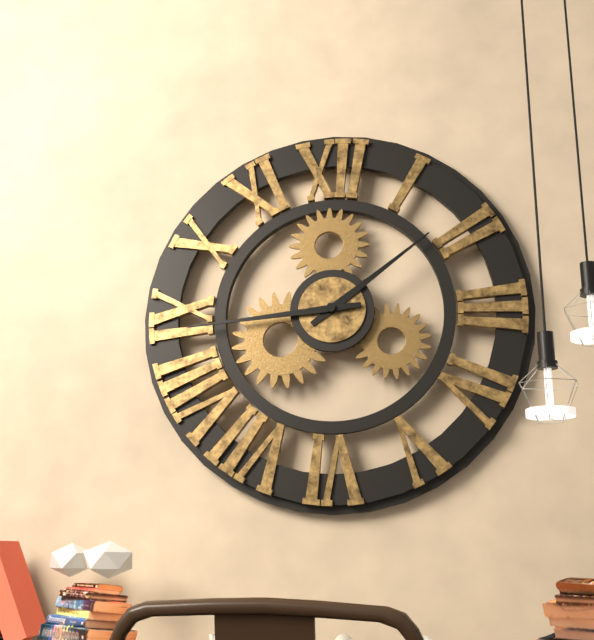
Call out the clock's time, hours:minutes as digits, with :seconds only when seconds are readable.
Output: 1:44
